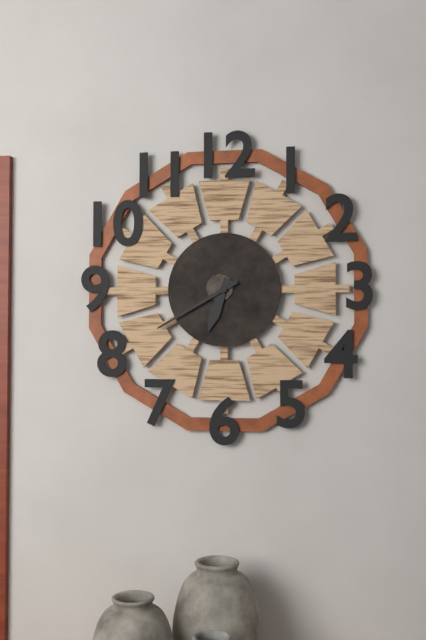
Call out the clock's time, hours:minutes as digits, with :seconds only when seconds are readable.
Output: 6:40
